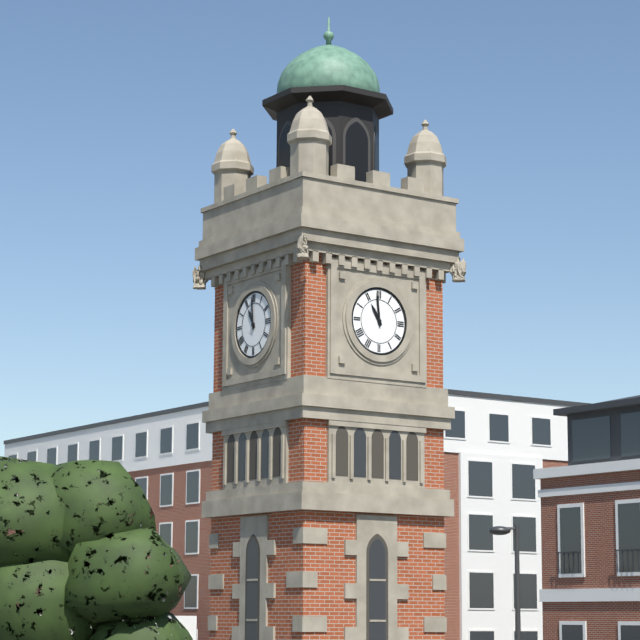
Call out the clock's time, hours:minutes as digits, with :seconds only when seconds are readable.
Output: 10:59
